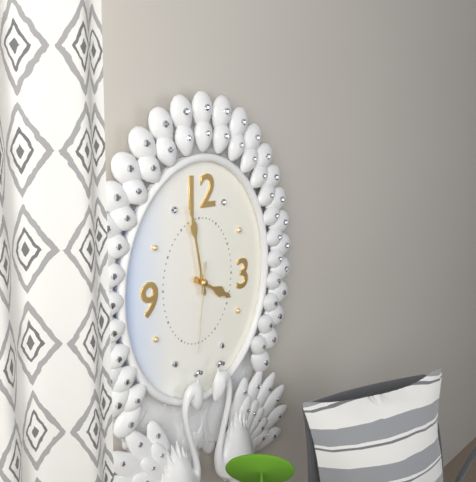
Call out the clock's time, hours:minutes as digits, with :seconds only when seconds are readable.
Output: 3:58:31
